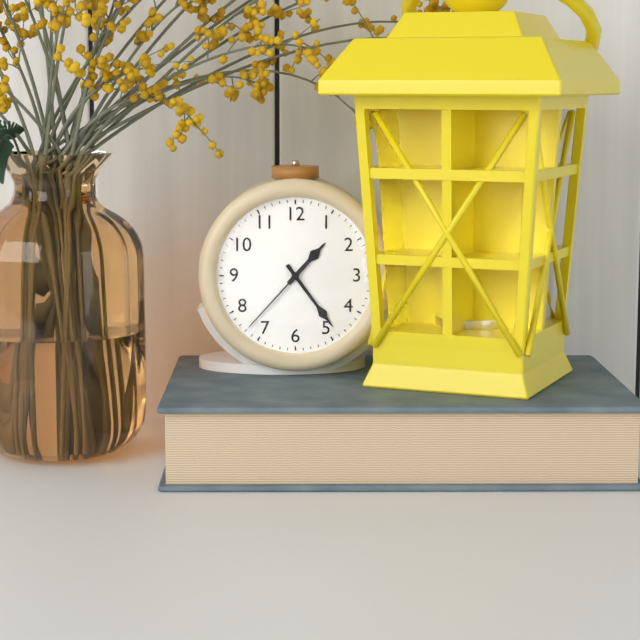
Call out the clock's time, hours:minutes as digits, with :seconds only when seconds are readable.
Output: 1:24:37
